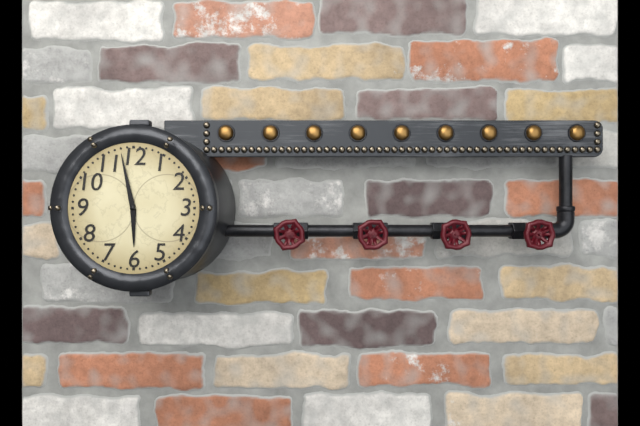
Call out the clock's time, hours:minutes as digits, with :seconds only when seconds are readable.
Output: 5:58
